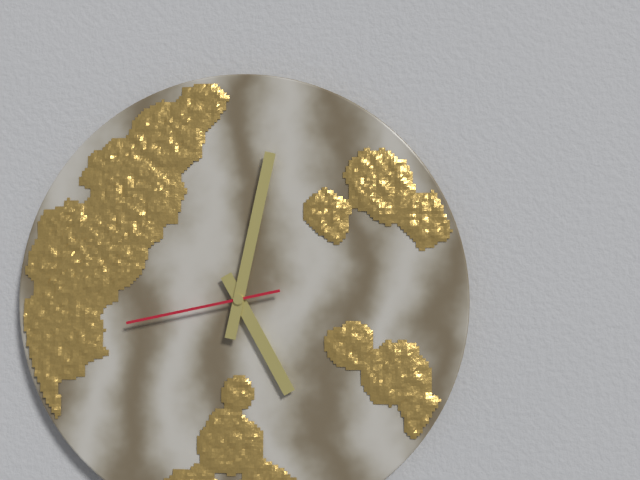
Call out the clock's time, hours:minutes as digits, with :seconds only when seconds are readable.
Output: 5:02:43
